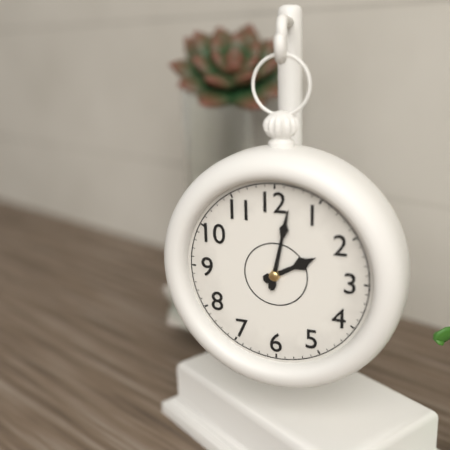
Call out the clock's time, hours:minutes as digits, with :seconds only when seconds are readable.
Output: 2:02
